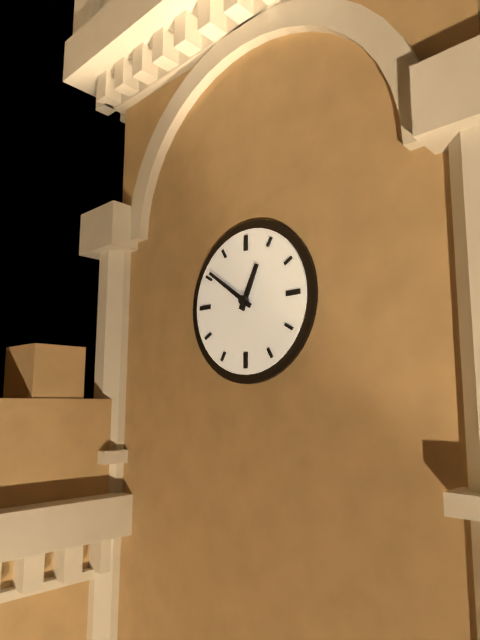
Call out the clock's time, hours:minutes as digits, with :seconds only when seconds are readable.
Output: 12:51
